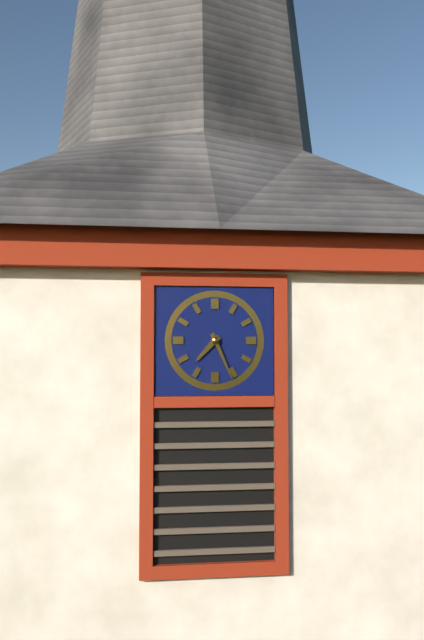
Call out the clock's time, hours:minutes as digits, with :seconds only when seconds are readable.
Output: 7:26
